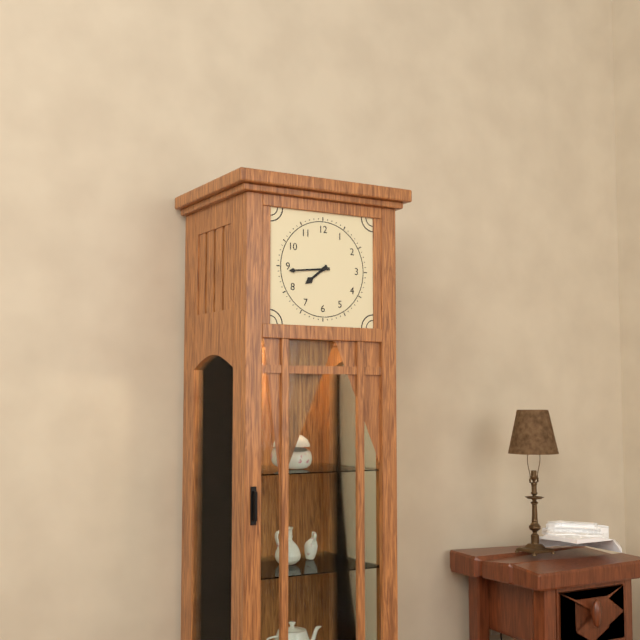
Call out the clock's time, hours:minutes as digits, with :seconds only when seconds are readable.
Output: 7:44
